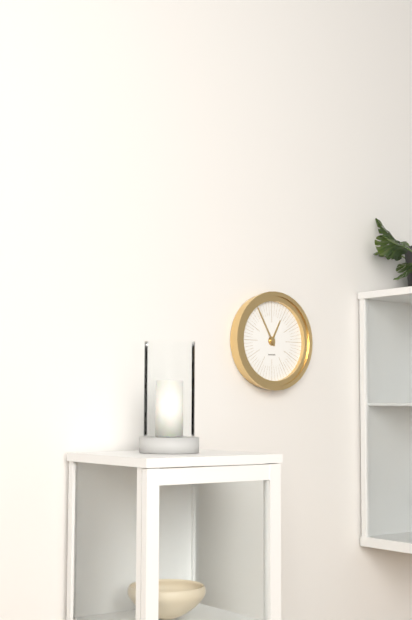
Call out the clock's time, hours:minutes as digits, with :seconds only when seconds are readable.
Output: 12:55
